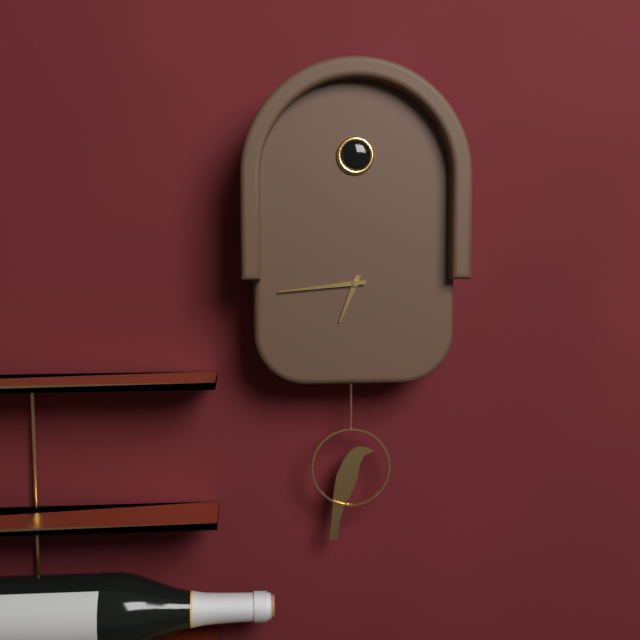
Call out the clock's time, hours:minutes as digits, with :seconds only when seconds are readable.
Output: 6:44
